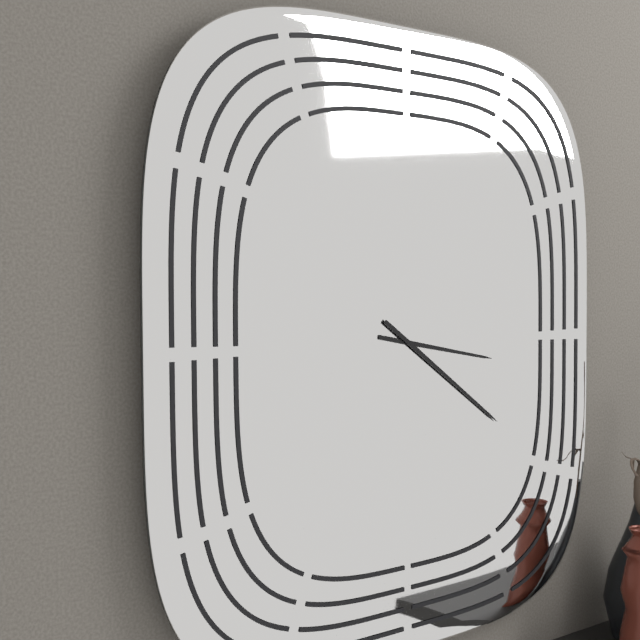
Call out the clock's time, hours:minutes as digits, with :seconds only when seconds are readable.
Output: 3:21
